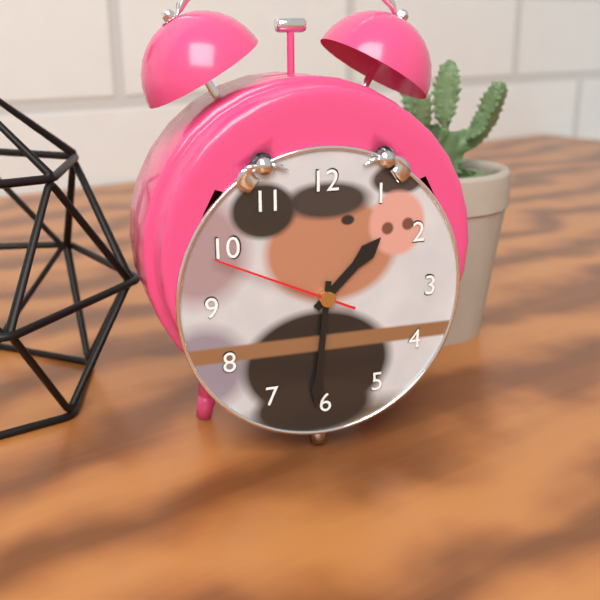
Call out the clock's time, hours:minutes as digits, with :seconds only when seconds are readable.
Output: 1:31:49
